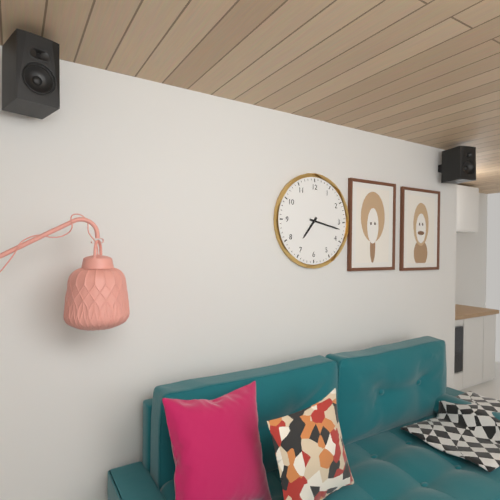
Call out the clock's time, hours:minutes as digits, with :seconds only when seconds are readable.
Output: 7:17
